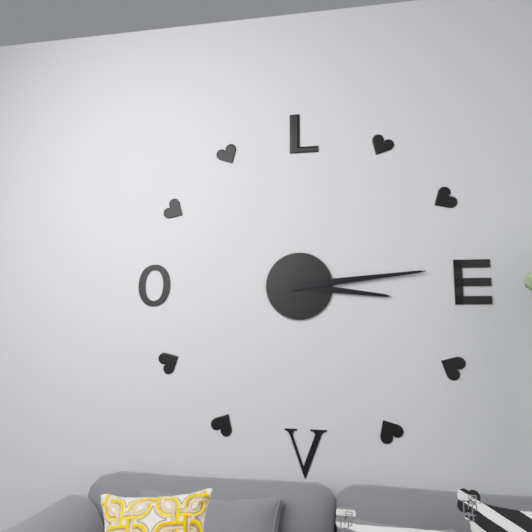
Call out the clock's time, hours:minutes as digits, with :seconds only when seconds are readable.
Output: 3:14
